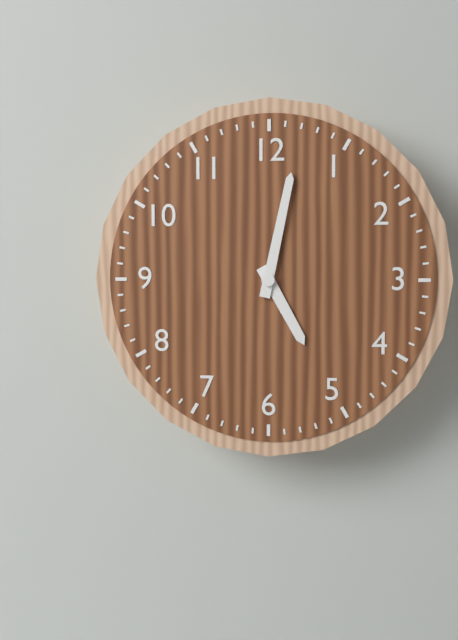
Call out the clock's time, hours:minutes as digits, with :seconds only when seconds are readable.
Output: 5:02
